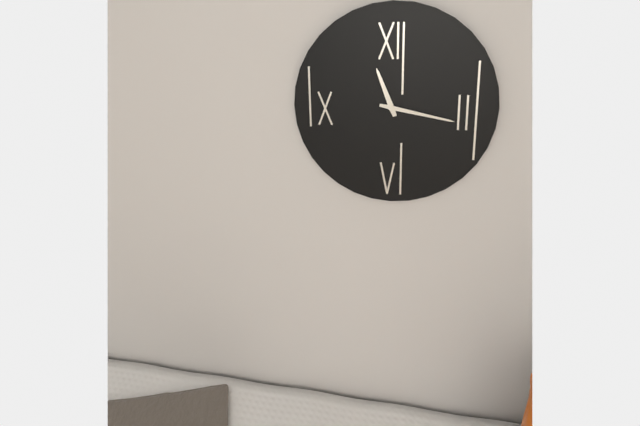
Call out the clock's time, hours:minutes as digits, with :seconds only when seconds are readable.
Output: 11:17
